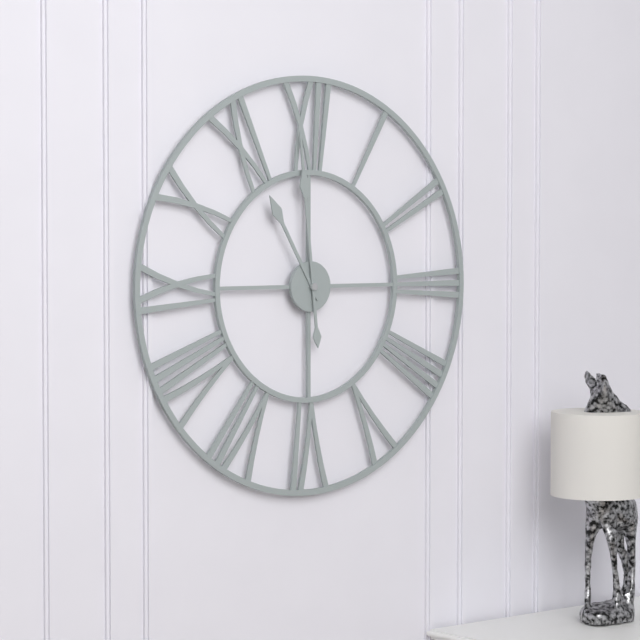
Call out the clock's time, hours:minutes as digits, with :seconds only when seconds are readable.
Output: 10:59
